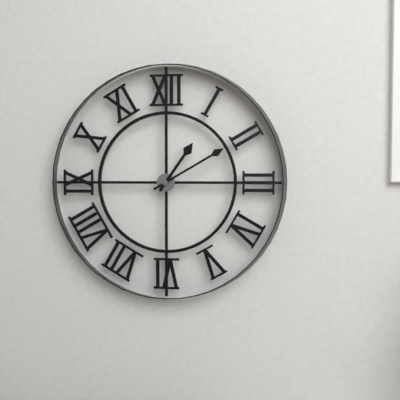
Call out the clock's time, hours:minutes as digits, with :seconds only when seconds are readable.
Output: 1:10
